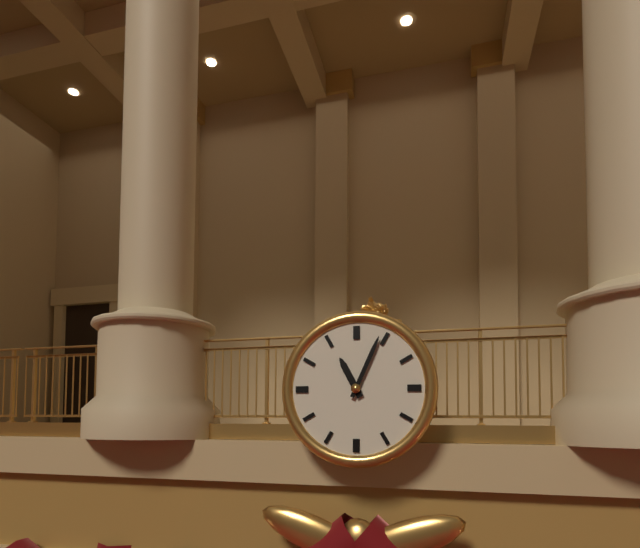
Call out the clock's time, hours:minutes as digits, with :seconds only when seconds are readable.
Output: 11:04
